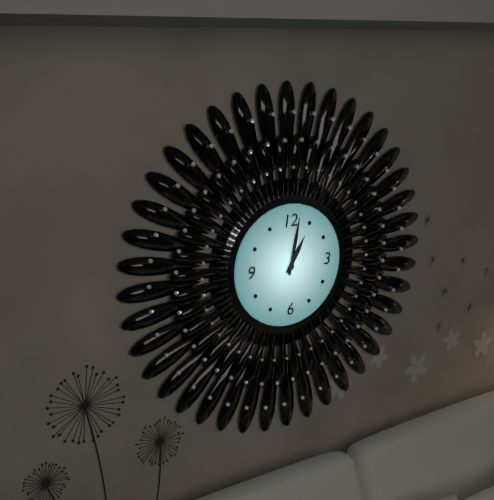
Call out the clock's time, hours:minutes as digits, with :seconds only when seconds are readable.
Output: 1:02
